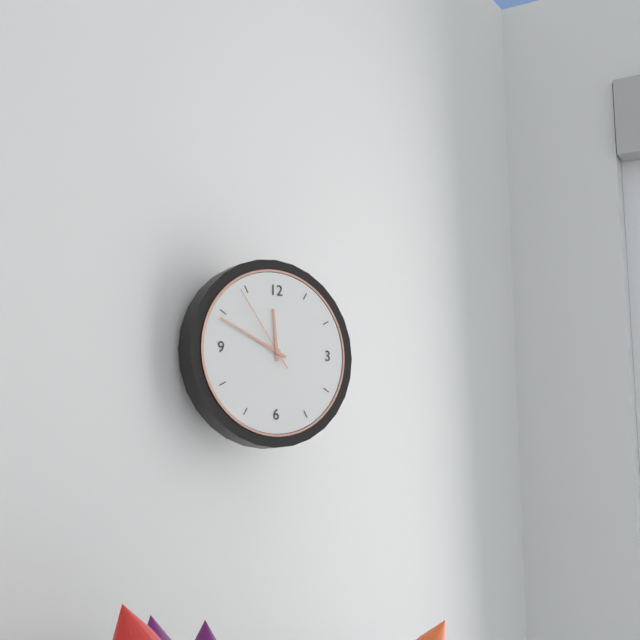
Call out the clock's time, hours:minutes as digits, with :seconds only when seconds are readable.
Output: 11:49:54
